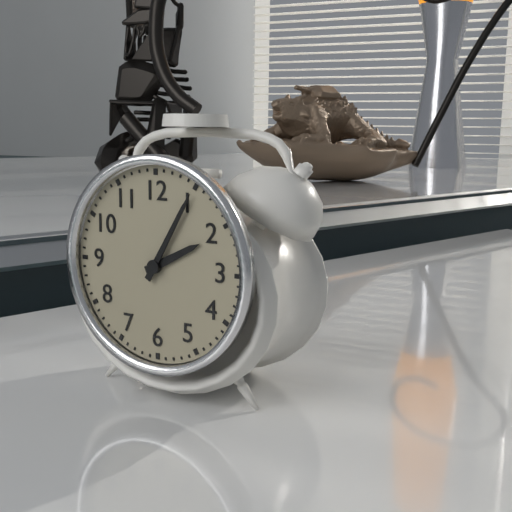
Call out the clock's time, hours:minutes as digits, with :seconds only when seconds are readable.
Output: 2:05
